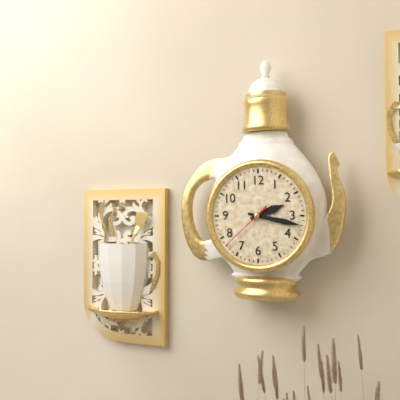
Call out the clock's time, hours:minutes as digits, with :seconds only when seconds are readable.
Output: 2:17:38
